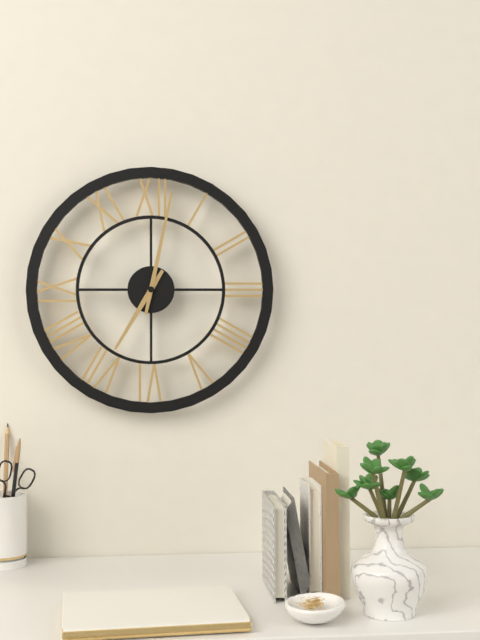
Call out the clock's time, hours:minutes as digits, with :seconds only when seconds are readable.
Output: 7:02
